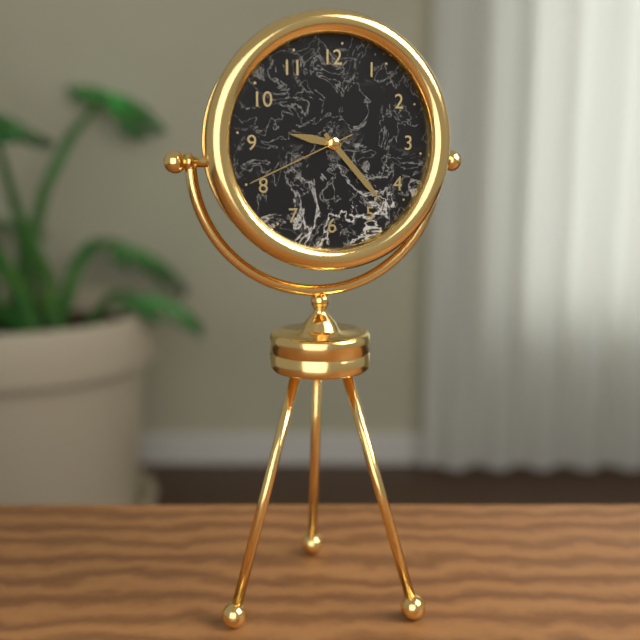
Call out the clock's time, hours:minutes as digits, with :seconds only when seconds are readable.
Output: 9:23:41
